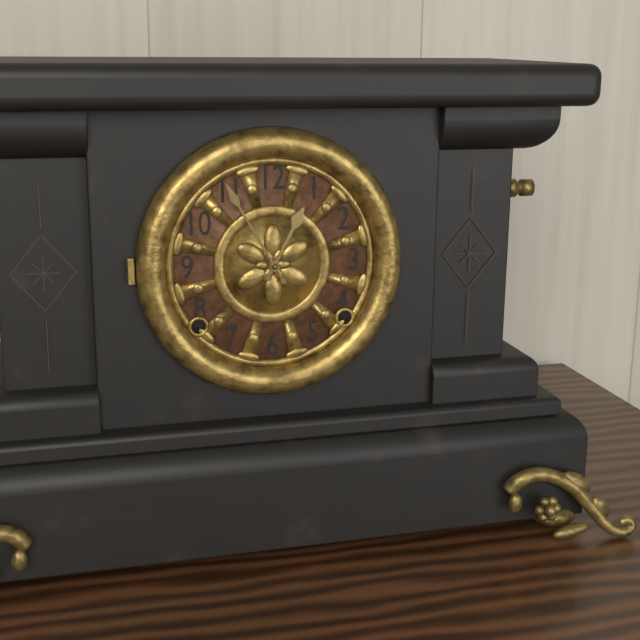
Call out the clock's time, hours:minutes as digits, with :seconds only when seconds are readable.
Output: 12:55
